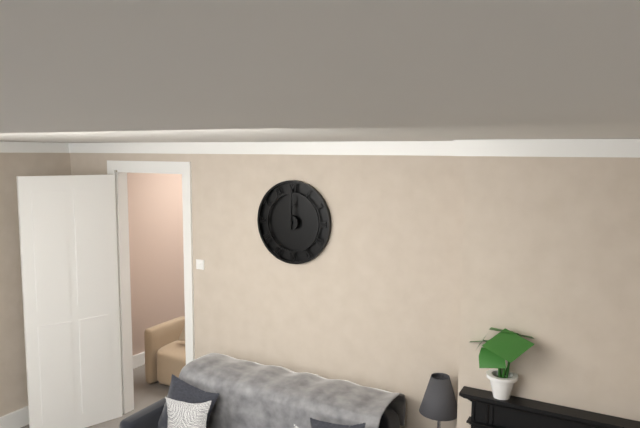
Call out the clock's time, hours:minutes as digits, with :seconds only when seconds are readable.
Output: 12:00
